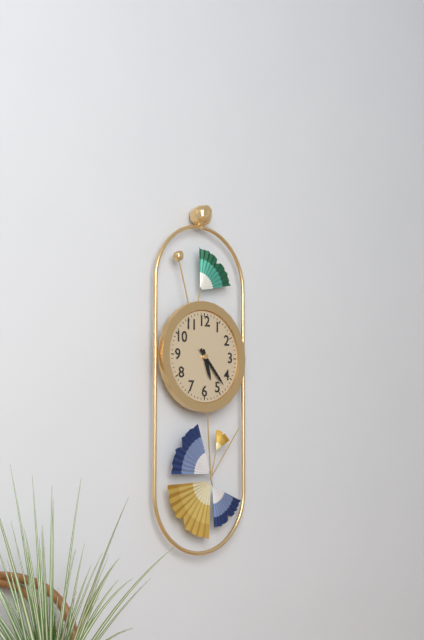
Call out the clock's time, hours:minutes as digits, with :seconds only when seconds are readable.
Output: 5:23
